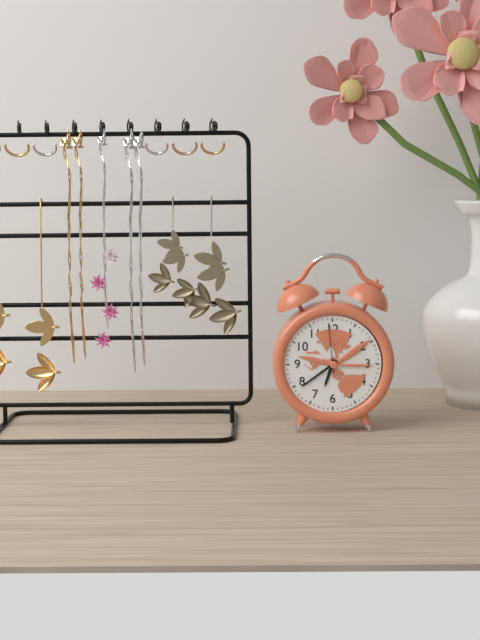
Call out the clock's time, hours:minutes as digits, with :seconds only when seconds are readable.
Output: 6:39:59
